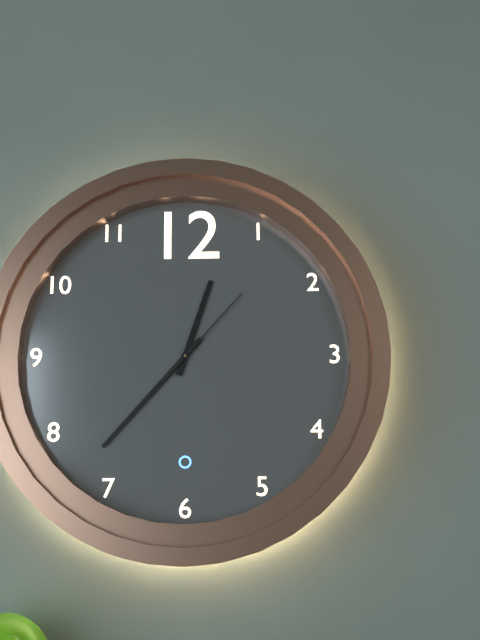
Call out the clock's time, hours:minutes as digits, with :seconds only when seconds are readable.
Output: 12:37:07
